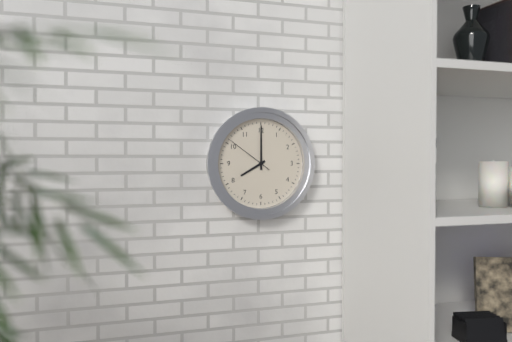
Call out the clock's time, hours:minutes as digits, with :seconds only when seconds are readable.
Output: 8:00
